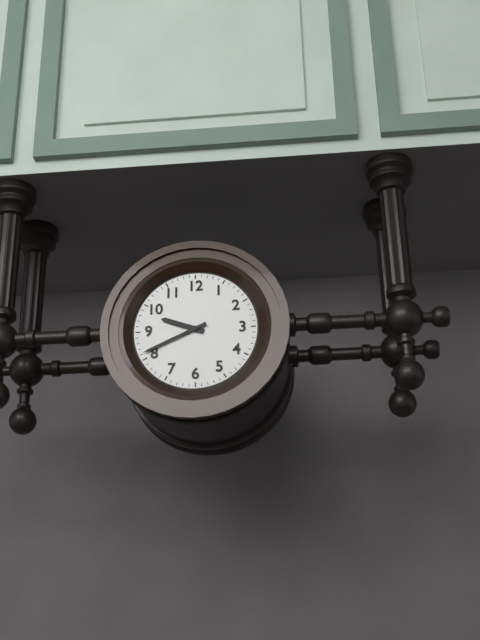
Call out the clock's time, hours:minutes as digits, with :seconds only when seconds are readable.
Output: 9:41
